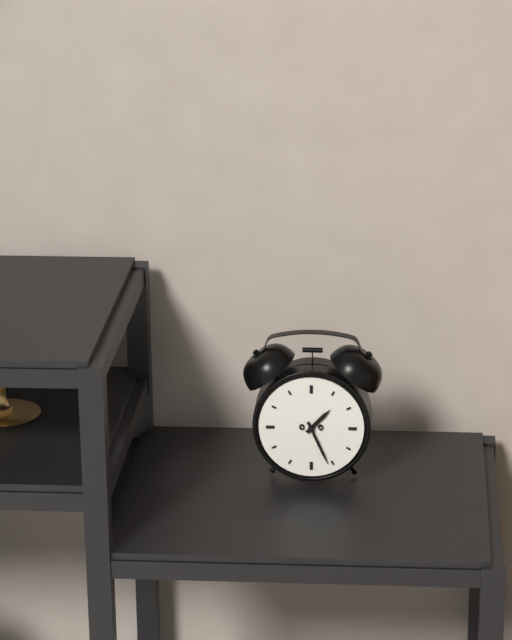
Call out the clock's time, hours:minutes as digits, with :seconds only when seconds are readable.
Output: 1:26
